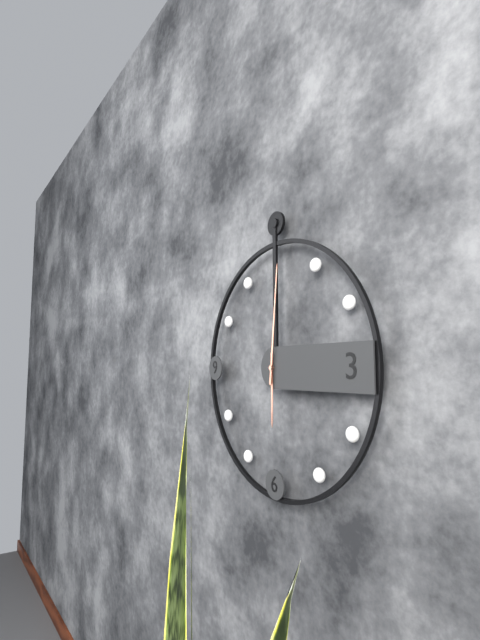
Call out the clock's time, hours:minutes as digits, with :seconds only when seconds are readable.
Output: 6:01
